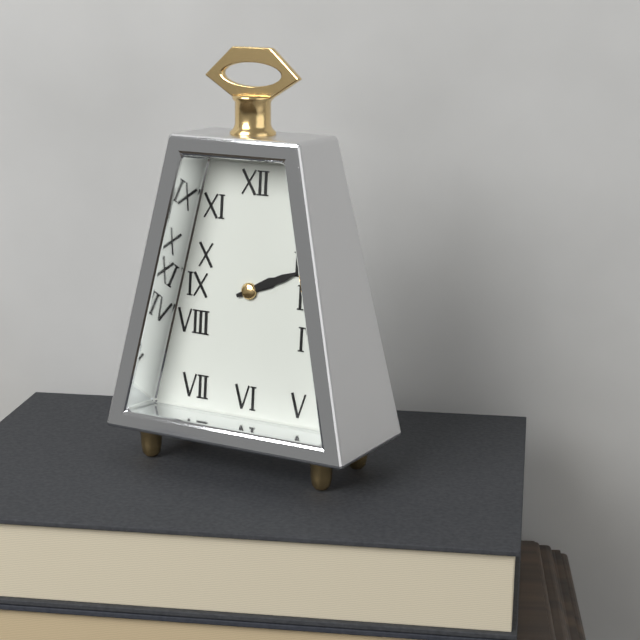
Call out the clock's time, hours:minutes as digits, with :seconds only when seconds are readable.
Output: 2:11
